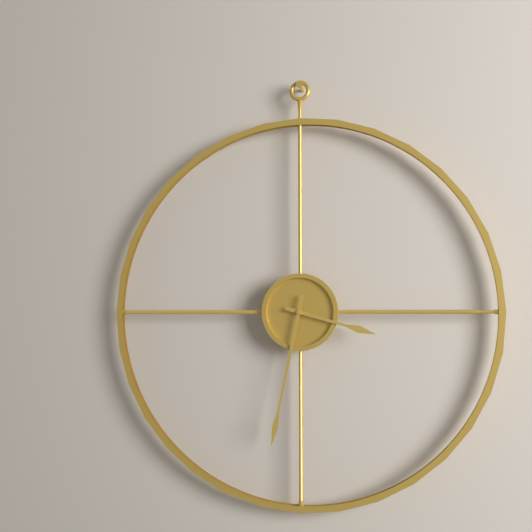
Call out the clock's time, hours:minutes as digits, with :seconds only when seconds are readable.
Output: 3:32
